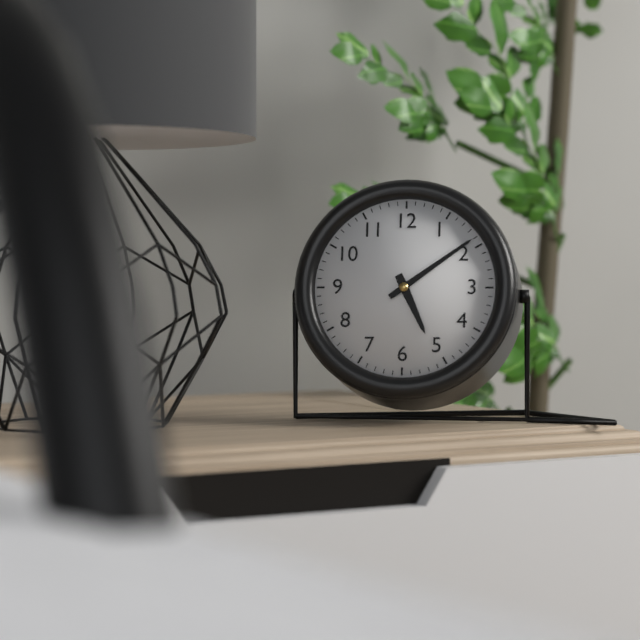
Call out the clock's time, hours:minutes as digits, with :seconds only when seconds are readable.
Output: 5:09
